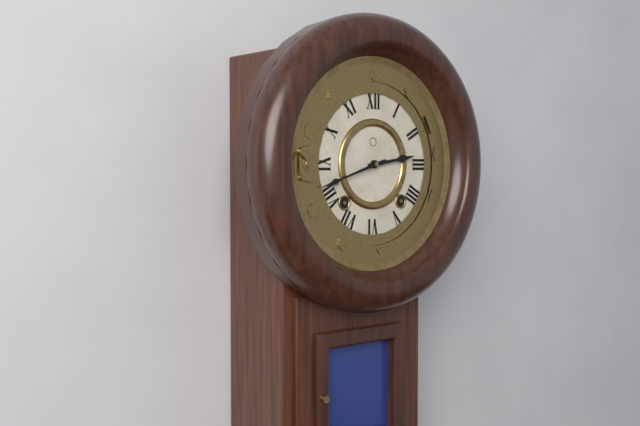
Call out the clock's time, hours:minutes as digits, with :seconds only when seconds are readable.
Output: 2:42
